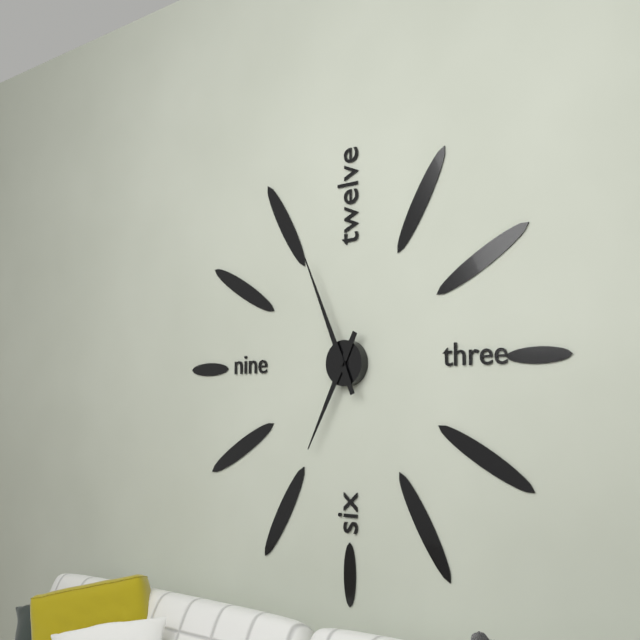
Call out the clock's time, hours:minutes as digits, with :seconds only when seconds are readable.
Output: 6:56
